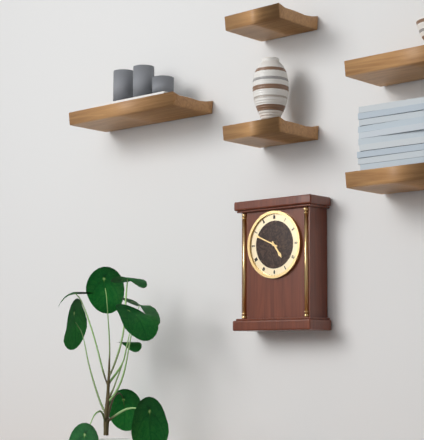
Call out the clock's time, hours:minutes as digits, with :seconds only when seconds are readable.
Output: 4:49
